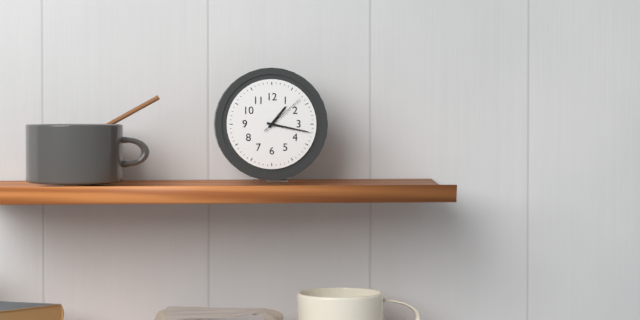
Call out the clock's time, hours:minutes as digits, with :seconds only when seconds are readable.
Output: 1:17
